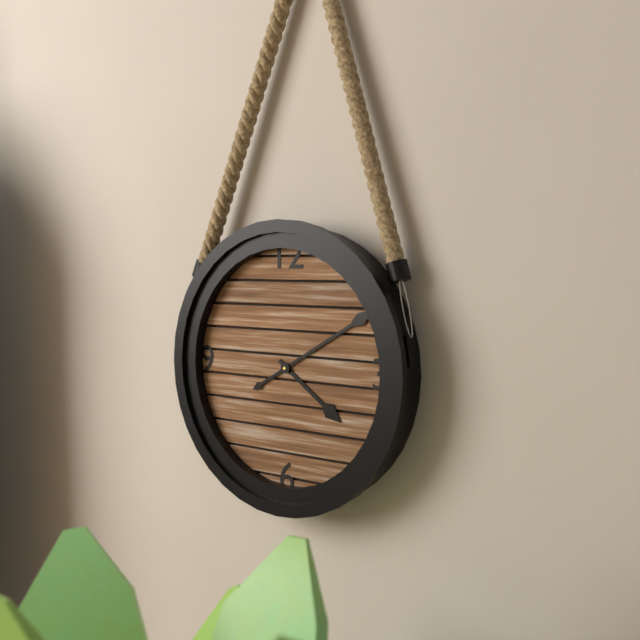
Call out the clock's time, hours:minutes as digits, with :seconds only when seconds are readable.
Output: 4:10
